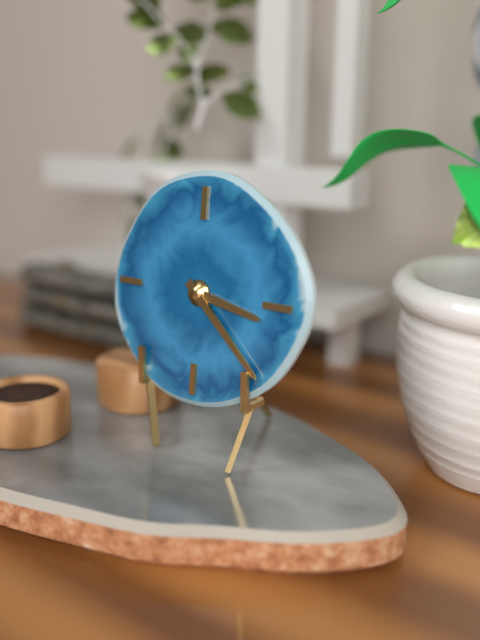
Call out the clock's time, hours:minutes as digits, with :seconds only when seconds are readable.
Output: 3:22
